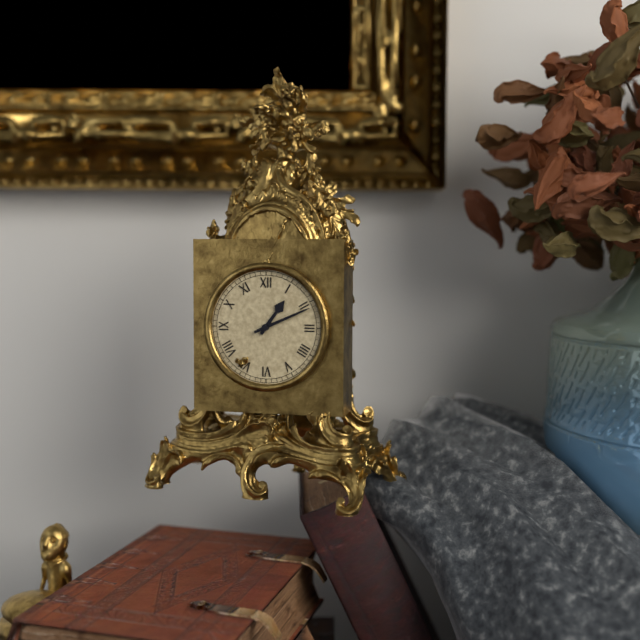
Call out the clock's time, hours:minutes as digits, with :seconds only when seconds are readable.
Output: 1:11
